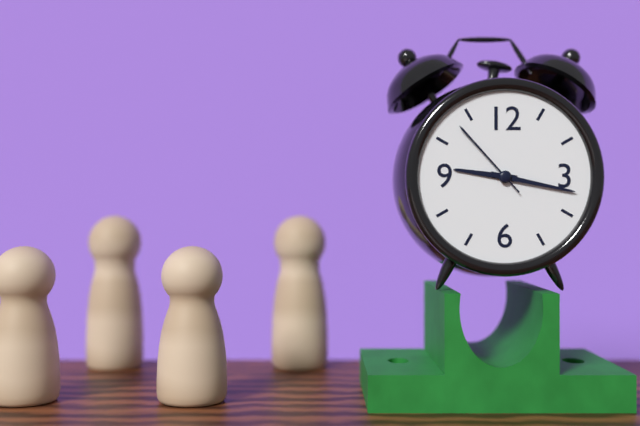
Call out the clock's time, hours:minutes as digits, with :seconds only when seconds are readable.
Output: 9:17:53
